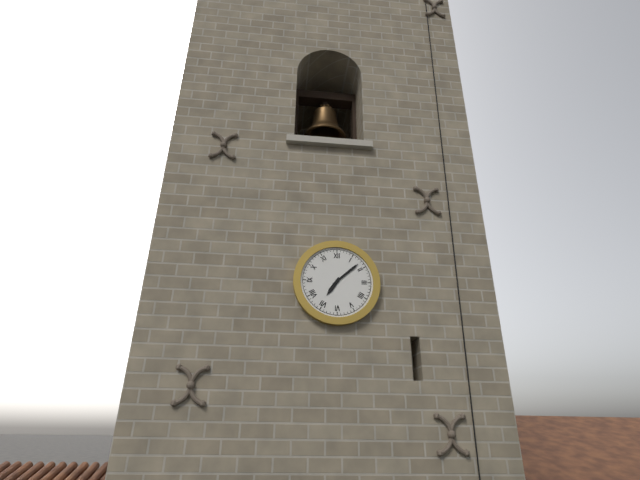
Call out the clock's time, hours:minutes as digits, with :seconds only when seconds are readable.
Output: 7:08
